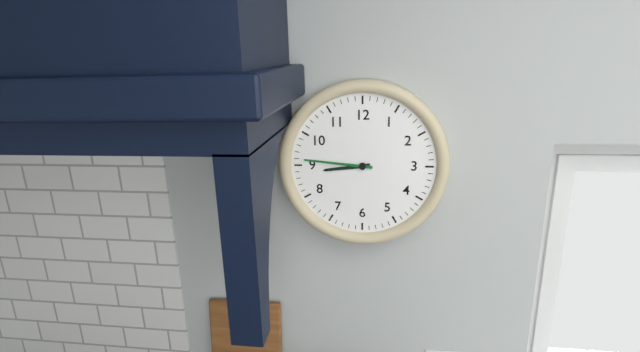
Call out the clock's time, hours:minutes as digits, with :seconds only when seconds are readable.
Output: 8:46
